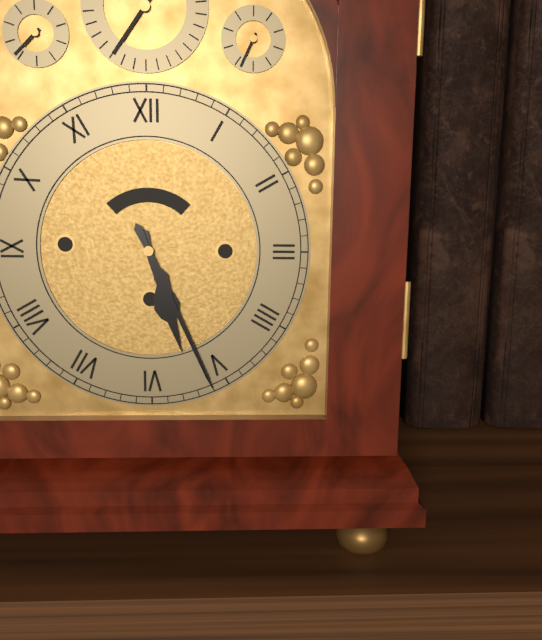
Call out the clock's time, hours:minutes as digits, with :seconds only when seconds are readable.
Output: 5:26
